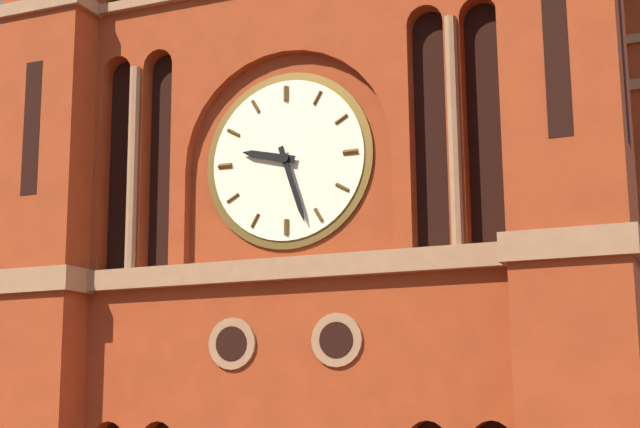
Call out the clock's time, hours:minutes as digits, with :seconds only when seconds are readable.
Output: 9:27
